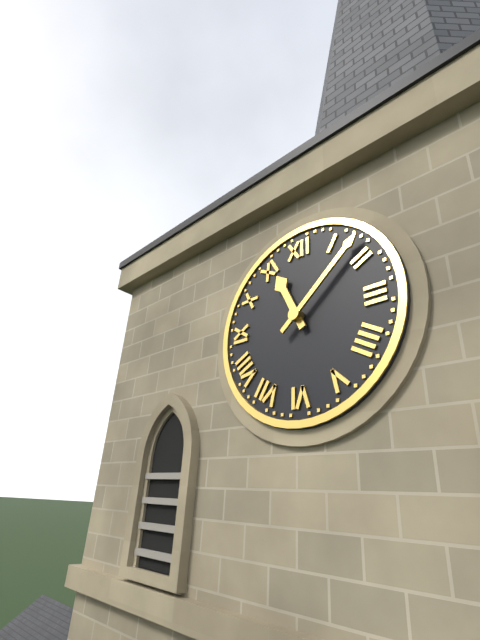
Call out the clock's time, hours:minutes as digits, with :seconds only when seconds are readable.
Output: 11:08
